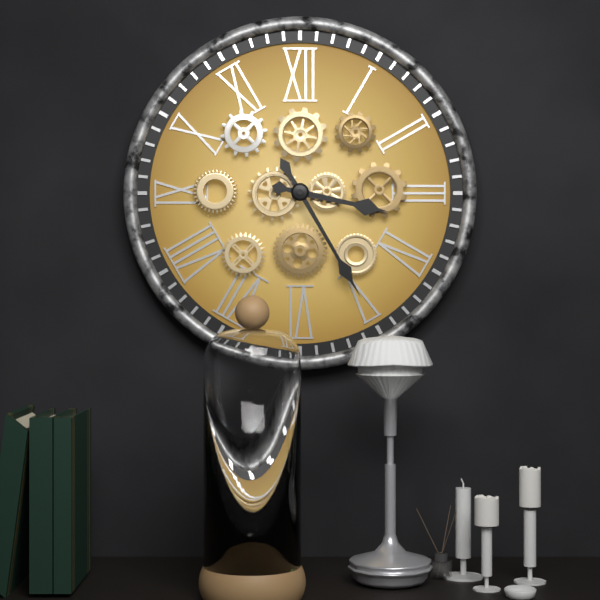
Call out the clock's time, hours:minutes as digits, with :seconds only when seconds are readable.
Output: 3:25
